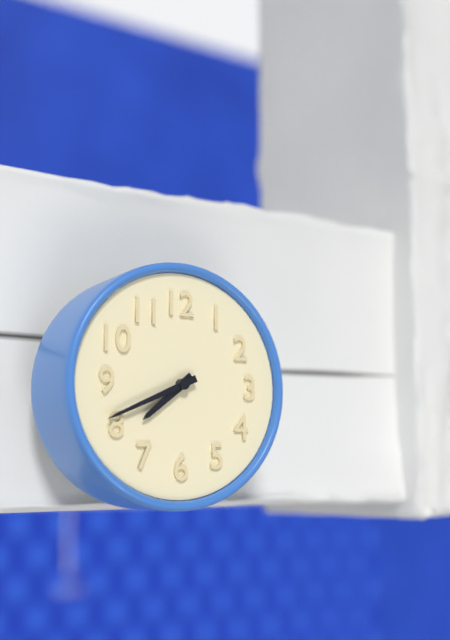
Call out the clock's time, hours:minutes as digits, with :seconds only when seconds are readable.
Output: 7:41
